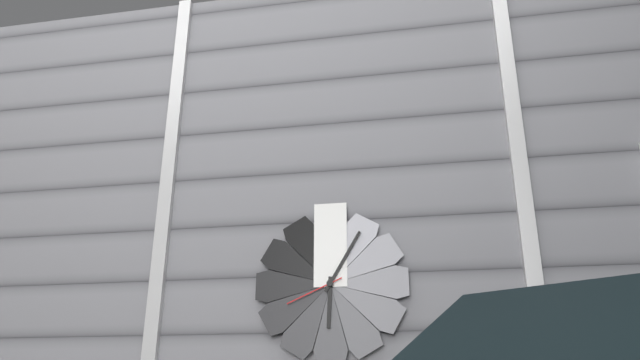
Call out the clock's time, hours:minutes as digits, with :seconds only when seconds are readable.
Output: 6:05:41
